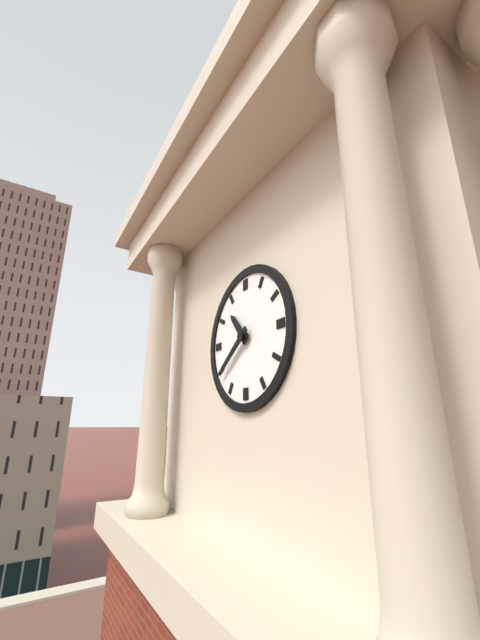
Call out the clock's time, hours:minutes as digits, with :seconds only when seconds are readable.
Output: 10:39
